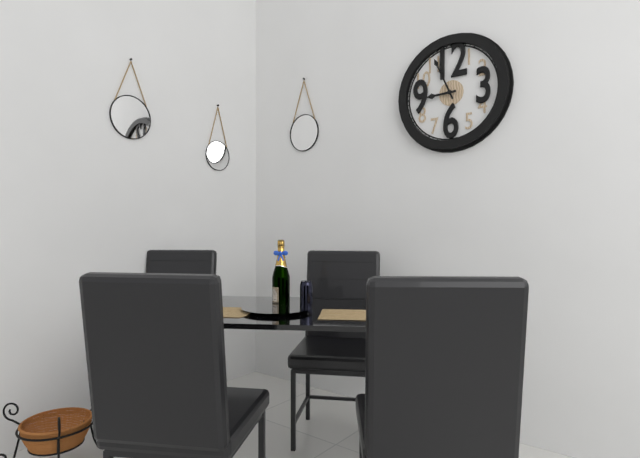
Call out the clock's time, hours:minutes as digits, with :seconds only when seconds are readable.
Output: 8:56
